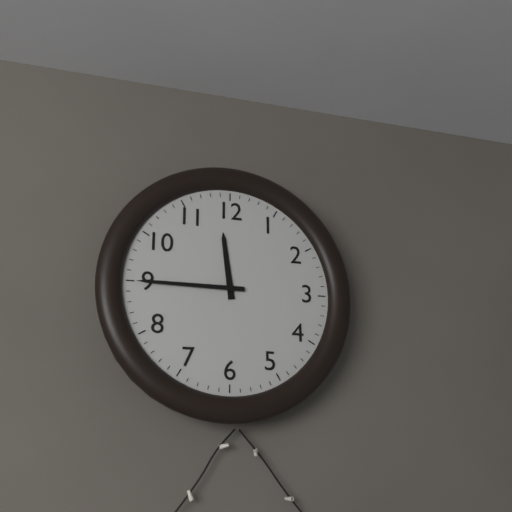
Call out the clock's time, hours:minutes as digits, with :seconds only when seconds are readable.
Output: 11:45
